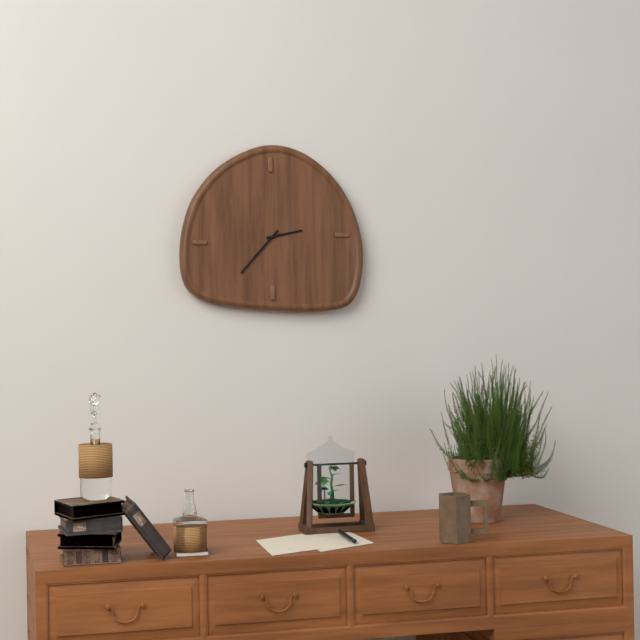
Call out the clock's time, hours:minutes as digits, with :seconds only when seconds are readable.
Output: 2:37
